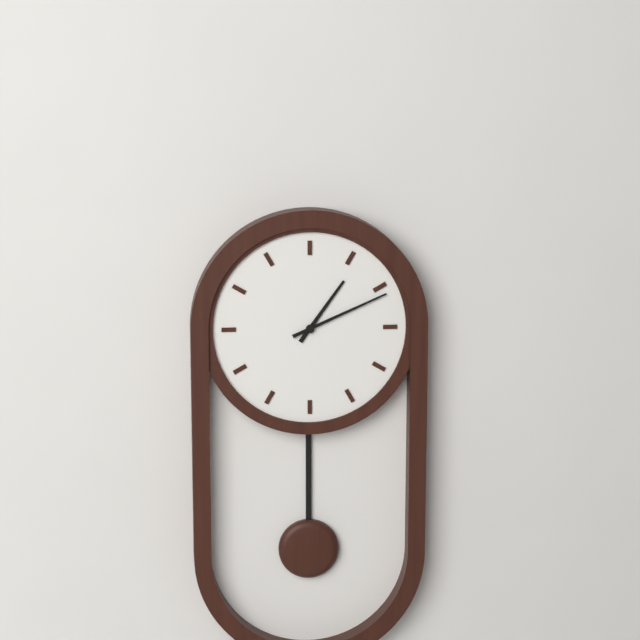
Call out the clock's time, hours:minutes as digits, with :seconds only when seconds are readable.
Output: 1:11
